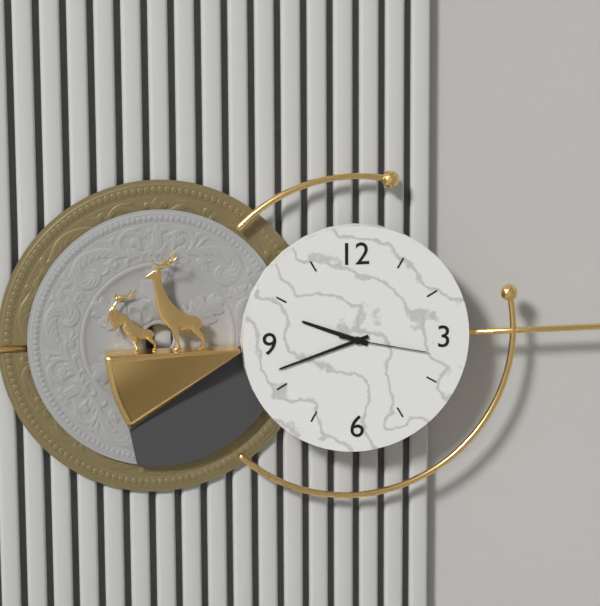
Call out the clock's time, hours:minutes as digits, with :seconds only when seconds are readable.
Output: 9:42:17
